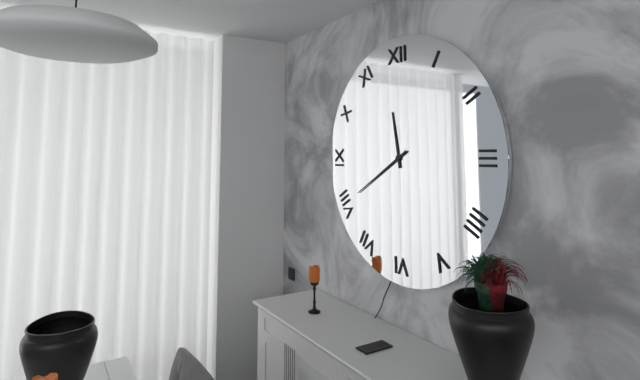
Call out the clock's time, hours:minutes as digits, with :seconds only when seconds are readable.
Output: 11:40
